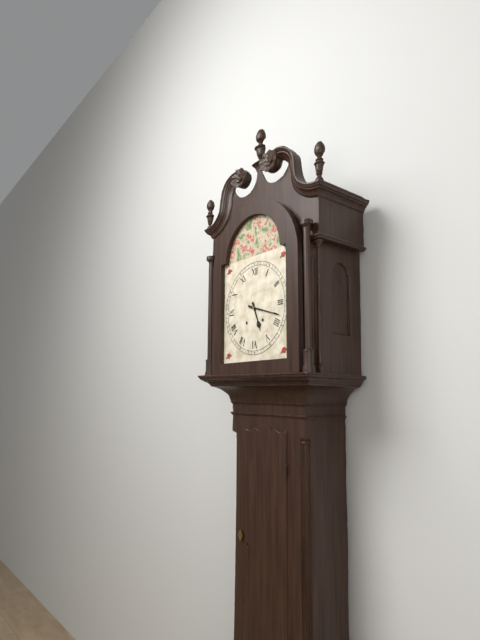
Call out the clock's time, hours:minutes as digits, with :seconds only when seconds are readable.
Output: 5:18
